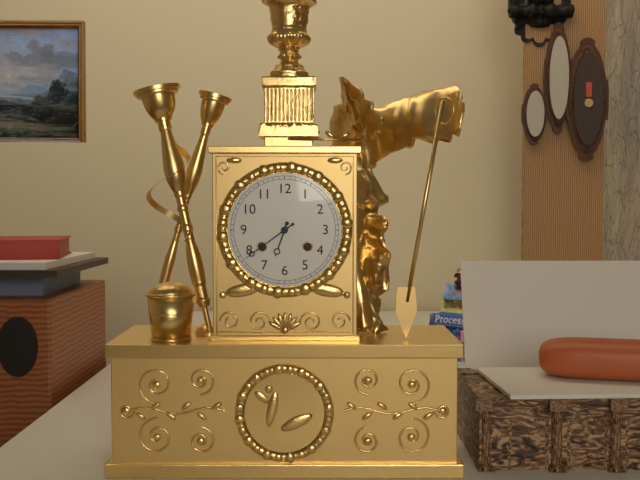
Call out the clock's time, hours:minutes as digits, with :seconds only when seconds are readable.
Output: 6:39
